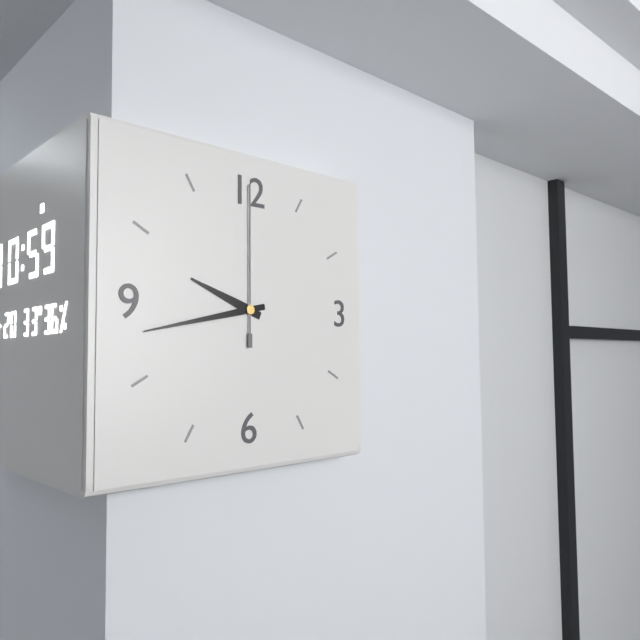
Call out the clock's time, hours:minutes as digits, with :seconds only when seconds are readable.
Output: 9:43:00
